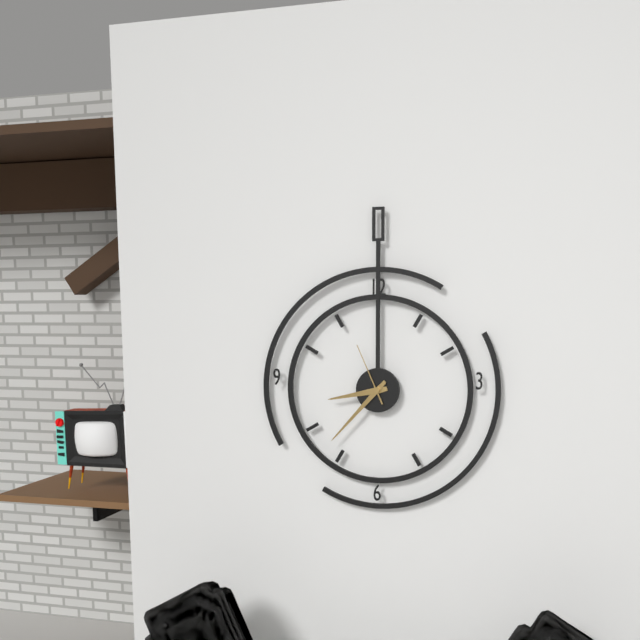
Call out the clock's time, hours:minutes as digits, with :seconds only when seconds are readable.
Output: 8:37:56
